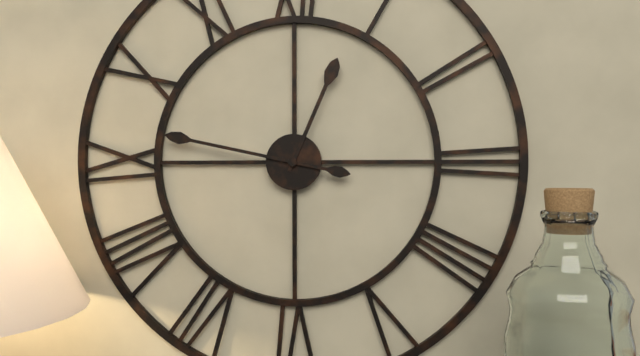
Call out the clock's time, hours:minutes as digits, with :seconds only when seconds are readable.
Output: 12:47
